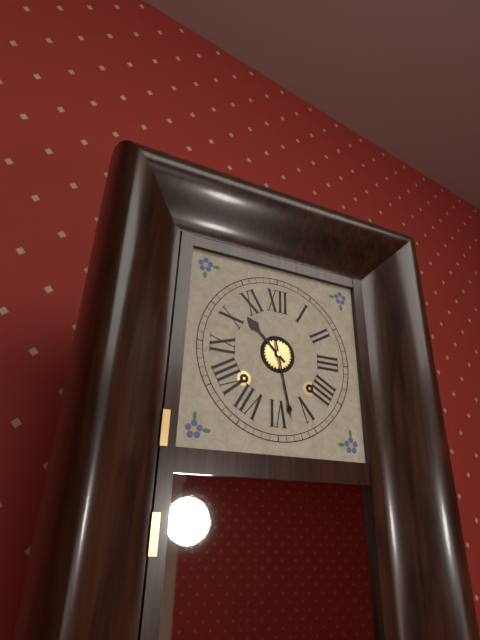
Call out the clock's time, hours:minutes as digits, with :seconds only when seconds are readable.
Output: 10:28
